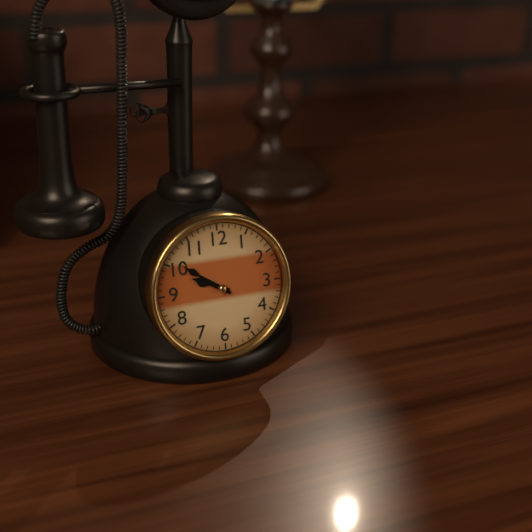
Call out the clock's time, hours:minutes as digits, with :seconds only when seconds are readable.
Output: 9:51
